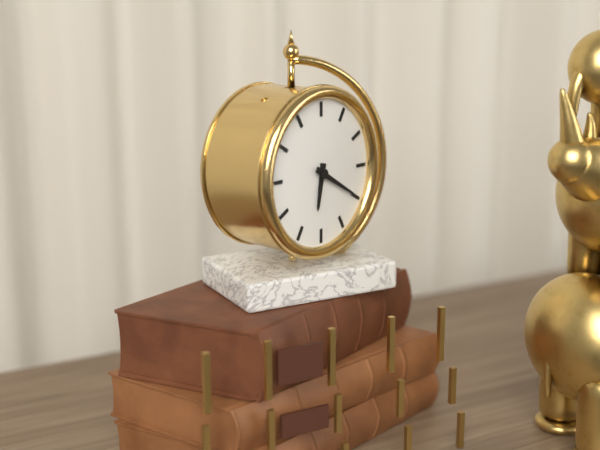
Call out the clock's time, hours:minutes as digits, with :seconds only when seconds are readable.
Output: 6:20
